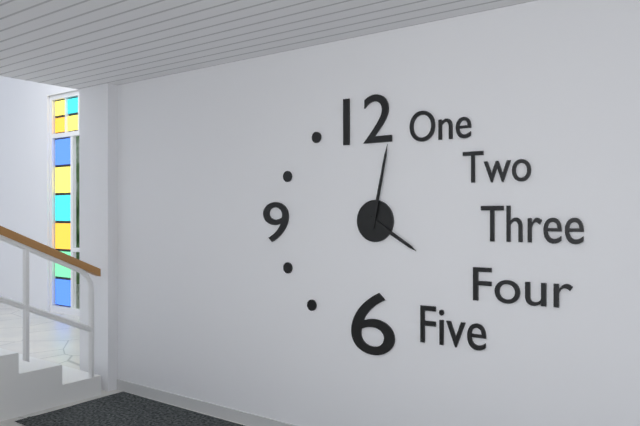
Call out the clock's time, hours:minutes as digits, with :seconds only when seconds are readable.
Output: 4:02
